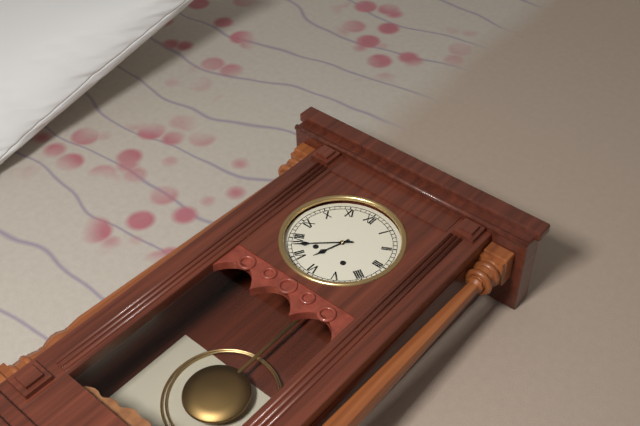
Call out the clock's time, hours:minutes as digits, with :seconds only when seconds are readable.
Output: 6:38
